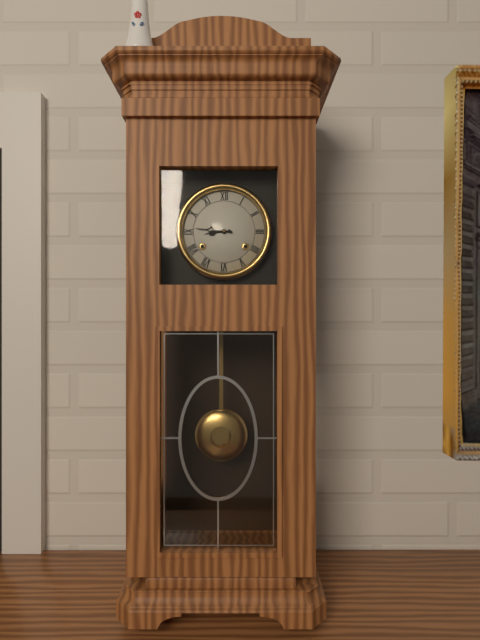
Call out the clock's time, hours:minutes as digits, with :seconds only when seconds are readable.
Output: 8:46
